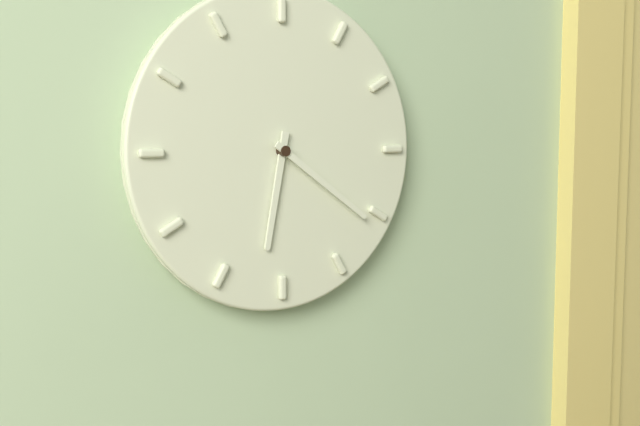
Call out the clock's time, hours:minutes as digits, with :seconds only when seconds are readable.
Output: 6:21
